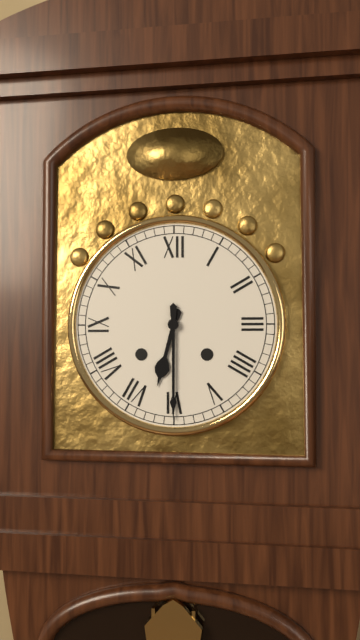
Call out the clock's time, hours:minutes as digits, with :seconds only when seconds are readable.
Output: 6:30
